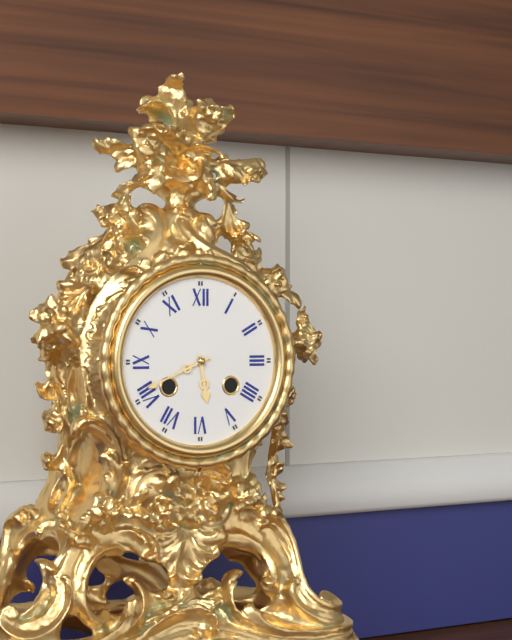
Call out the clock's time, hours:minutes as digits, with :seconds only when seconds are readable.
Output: 5:41
